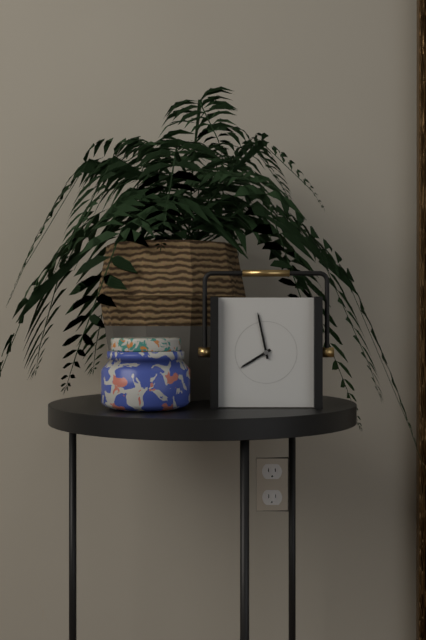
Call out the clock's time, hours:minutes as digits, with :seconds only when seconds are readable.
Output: 7:58
